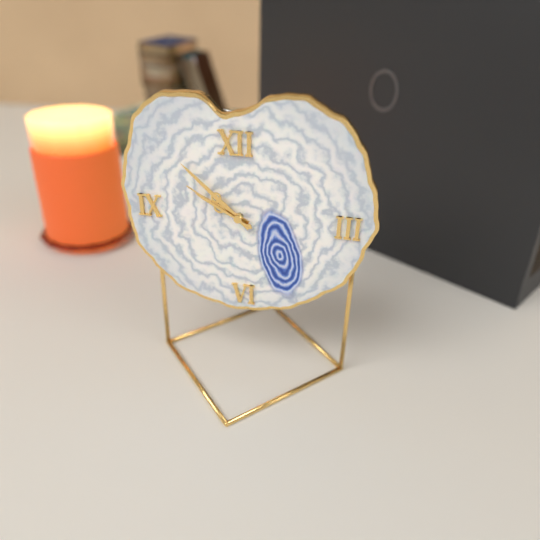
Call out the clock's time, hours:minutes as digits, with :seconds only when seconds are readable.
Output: 9:52:50
